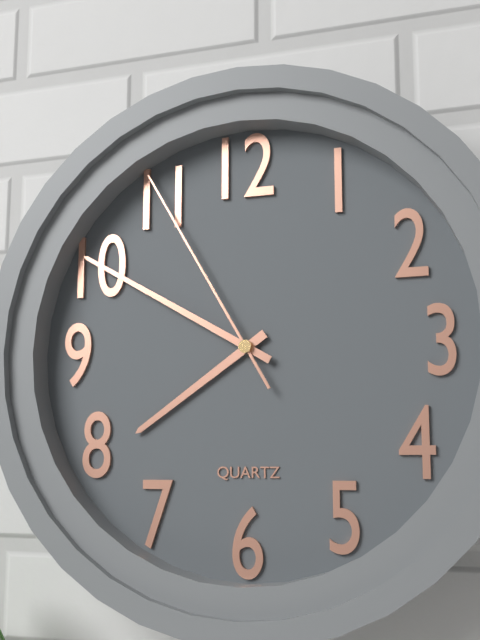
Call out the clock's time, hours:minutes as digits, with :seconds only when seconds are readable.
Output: 7:50:55
